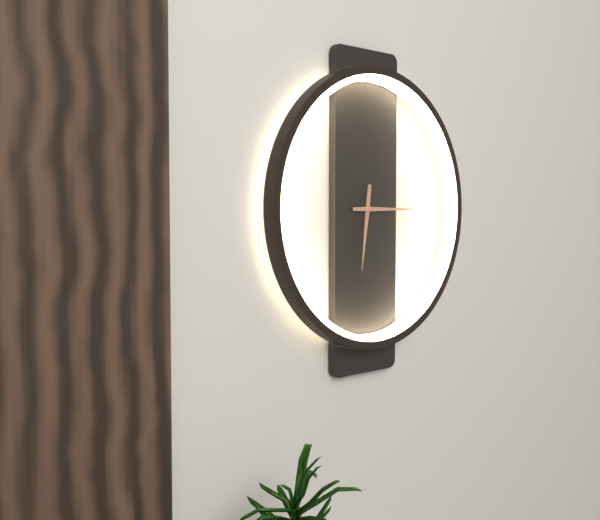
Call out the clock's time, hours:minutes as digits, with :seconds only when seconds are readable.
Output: 6:15
